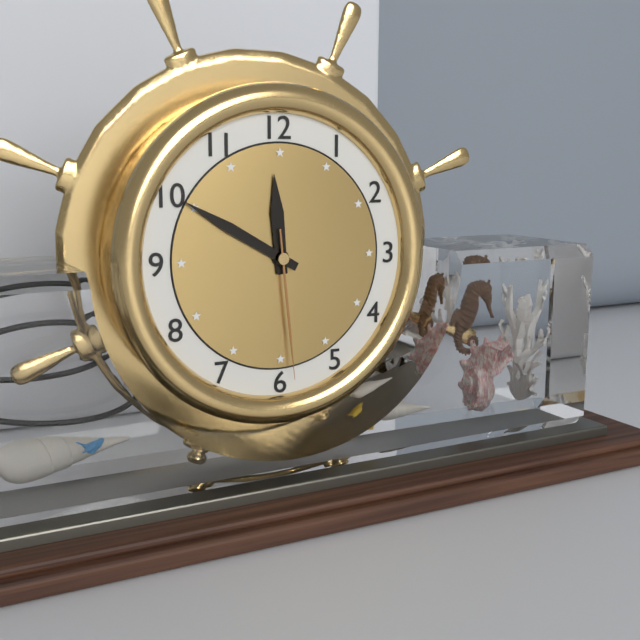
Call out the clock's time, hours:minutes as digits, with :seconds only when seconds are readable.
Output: 11:50:29
